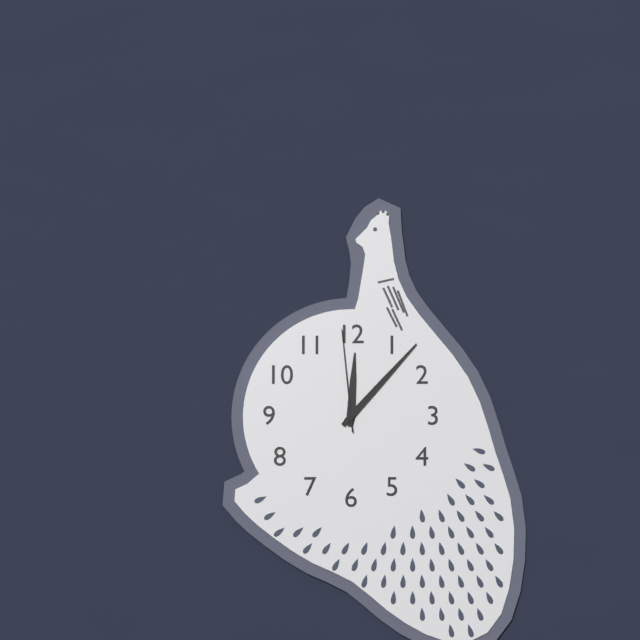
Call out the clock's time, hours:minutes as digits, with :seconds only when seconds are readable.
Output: 12:07:59
